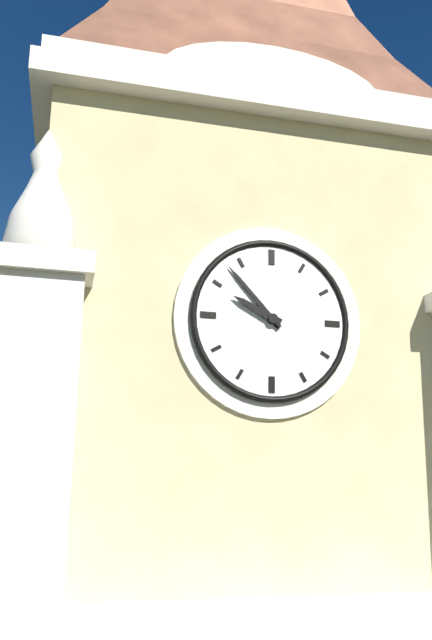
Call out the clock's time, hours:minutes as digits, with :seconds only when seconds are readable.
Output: 9:53
